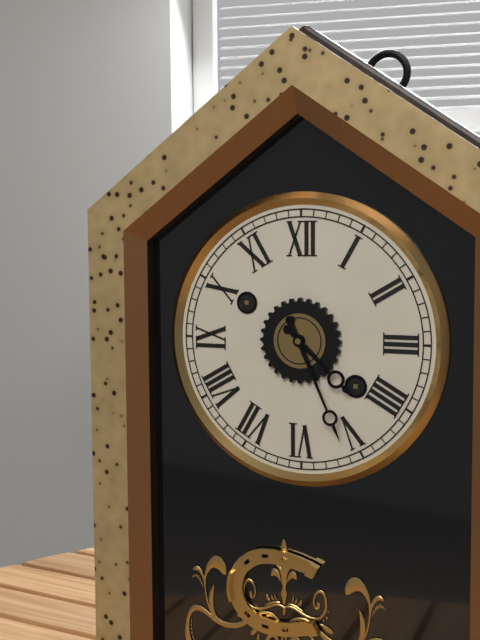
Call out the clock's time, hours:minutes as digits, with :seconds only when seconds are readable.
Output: 4:26
